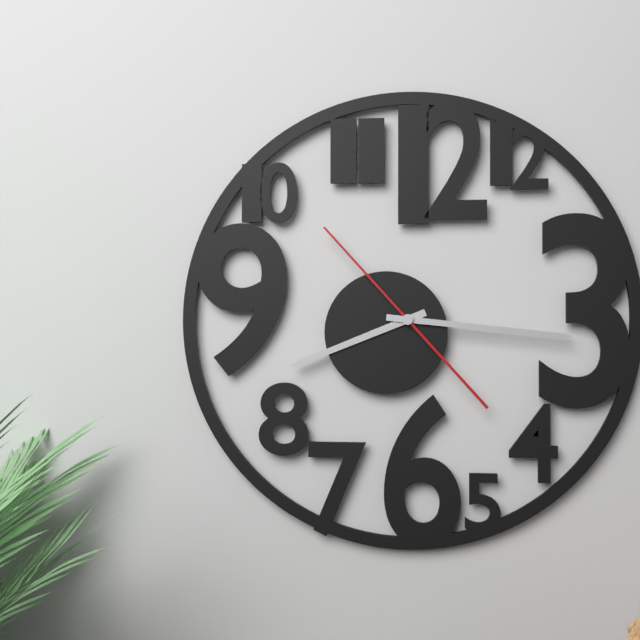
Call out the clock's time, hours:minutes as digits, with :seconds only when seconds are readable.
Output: 8:16:53
